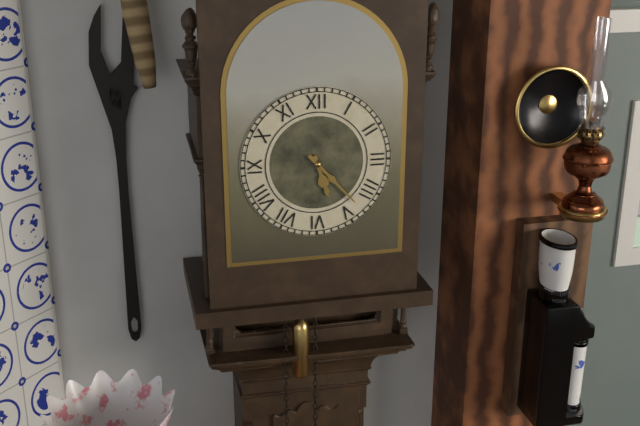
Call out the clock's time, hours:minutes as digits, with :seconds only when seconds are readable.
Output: 5:23
